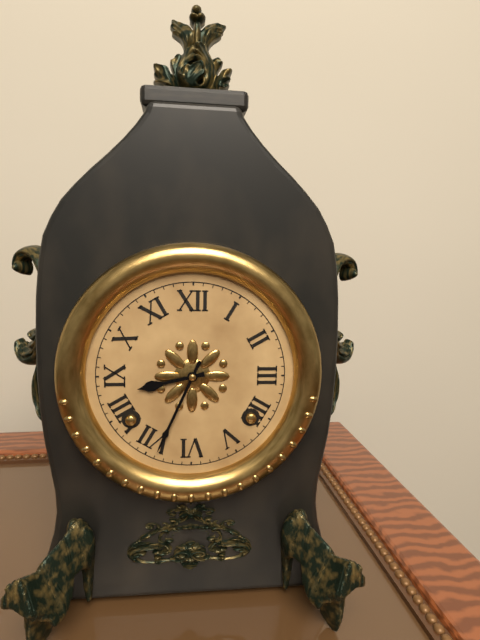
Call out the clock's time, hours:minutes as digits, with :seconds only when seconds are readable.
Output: 8:34
